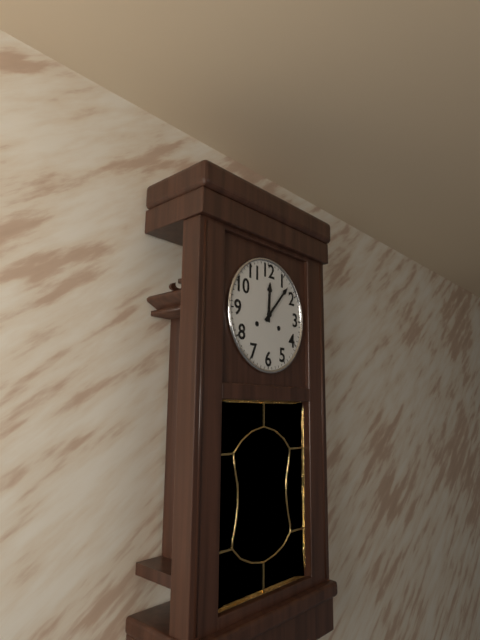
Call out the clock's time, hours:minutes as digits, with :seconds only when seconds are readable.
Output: 12:07
